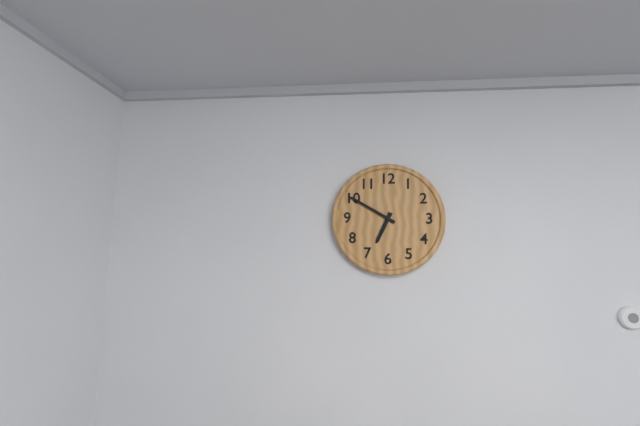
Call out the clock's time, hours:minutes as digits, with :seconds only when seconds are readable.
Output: 6:50
